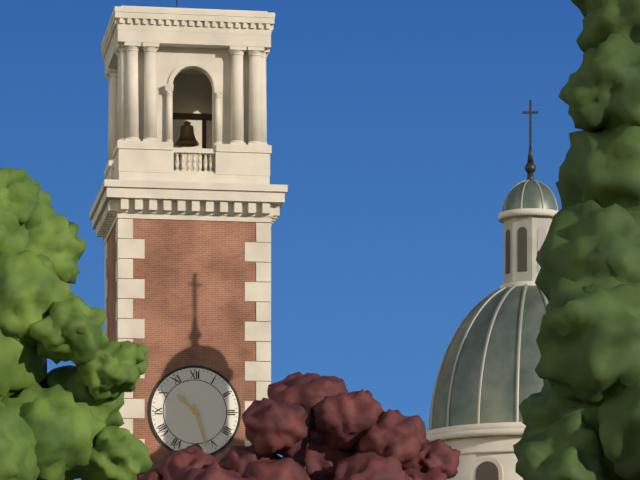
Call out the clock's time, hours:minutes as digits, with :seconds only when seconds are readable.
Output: 10:27
